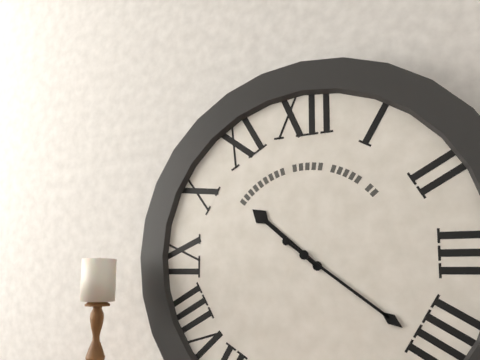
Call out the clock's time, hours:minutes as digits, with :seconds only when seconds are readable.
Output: 10:21
